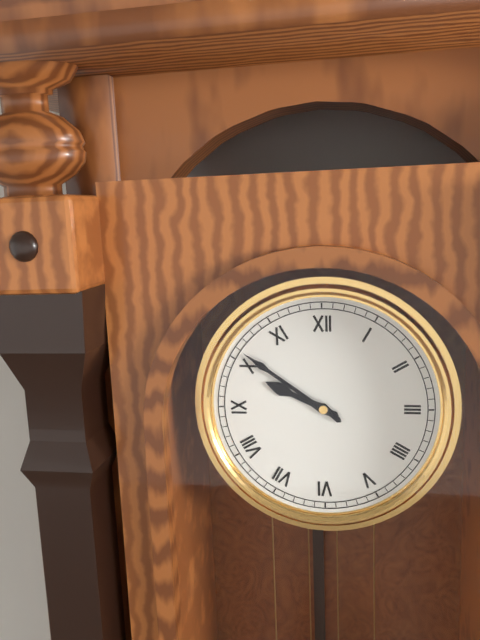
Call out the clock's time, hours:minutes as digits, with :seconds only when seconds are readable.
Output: 9:51
